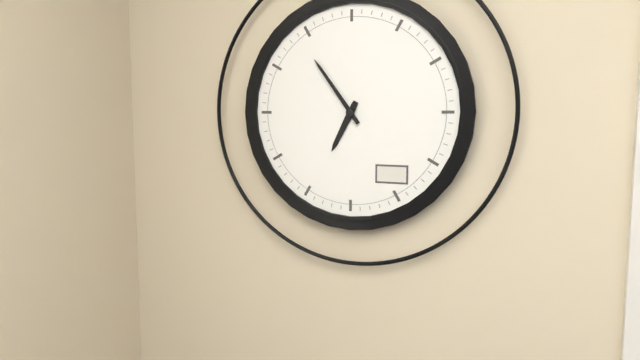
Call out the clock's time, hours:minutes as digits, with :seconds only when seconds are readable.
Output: 6:54
